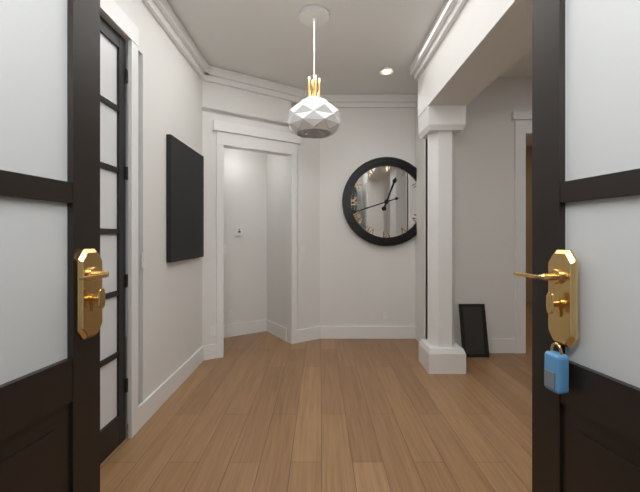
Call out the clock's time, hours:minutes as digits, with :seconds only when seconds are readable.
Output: 12:42
